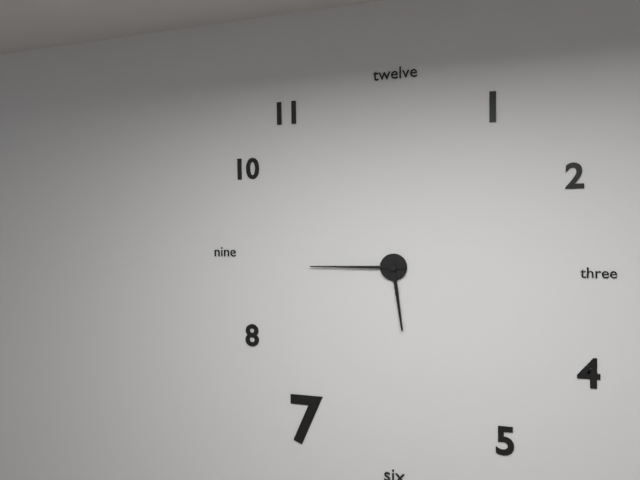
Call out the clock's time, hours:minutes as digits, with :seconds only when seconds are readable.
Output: 5:45
